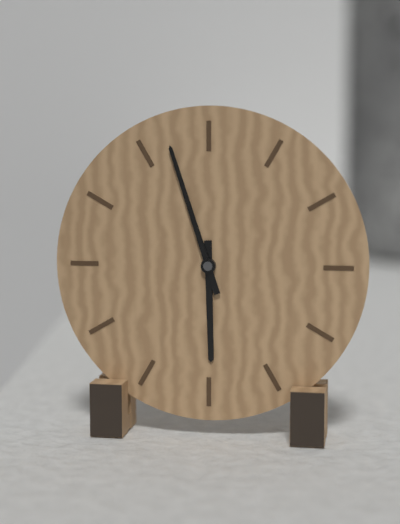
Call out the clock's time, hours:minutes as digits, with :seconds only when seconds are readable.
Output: 5:57
